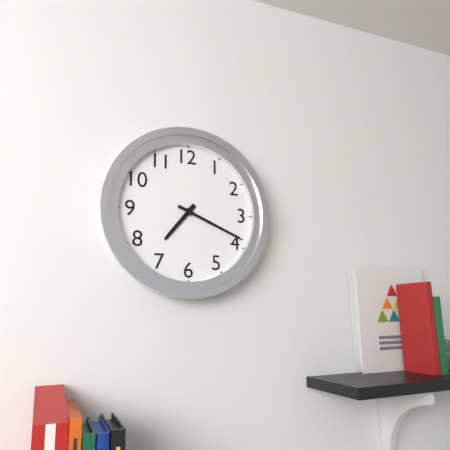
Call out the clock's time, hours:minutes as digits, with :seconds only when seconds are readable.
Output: 7:19
